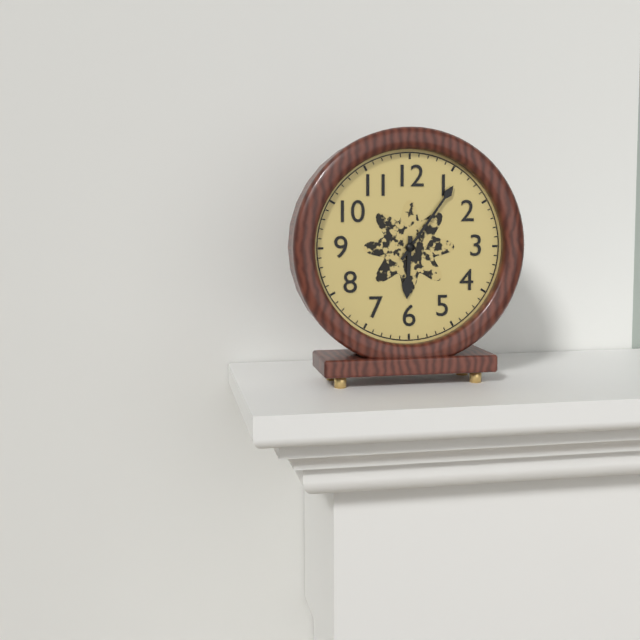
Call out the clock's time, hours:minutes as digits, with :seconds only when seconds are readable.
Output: 6:06
